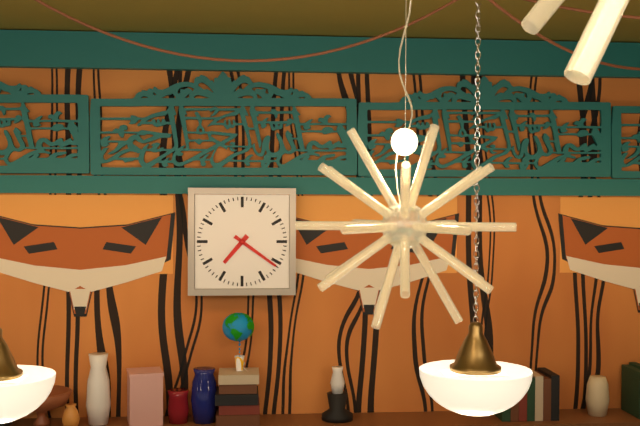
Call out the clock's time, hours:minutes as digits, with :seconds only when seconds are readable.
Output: 7:21
